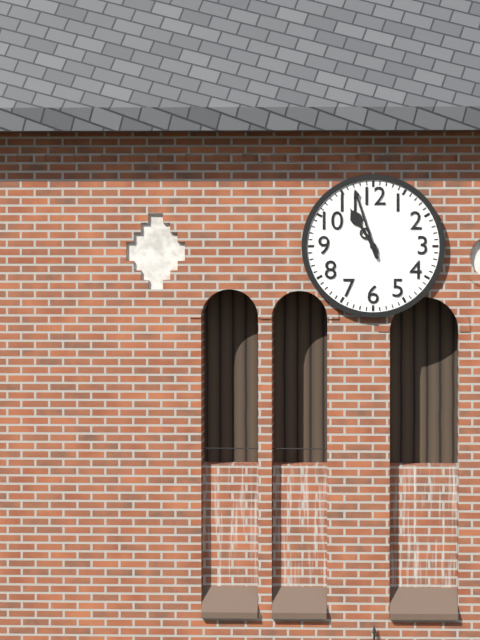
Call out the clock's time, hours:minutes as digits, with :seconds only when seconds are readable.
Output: 10:57
